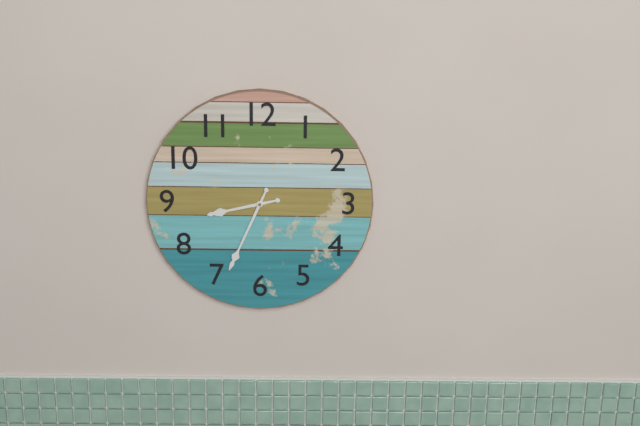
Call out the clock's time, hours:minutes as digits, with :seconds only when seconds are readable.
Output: 8:34
